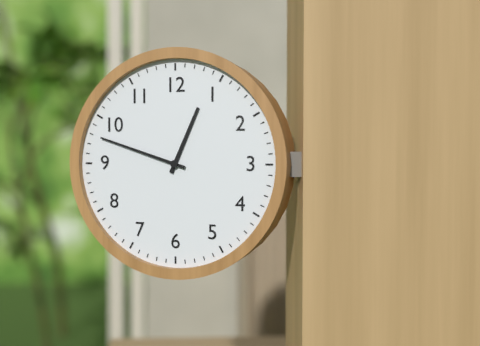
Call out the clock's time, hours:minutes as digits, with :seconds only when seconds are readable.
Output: 12:48
